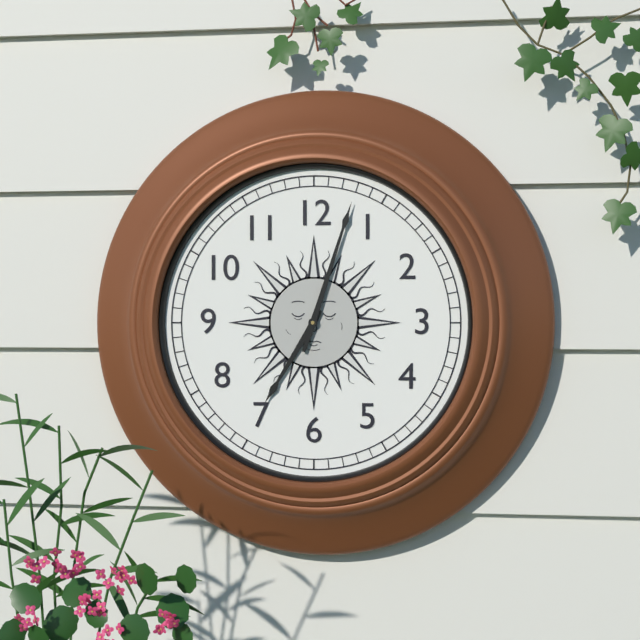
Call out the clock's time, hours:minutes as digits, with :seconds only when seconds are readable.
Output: 7:03
